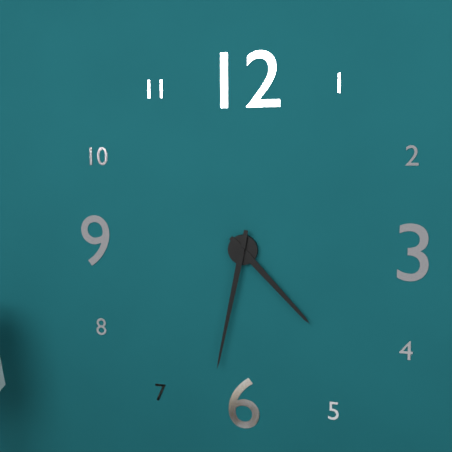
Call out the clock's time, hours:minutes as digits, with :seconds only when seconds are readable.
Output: 4:32
